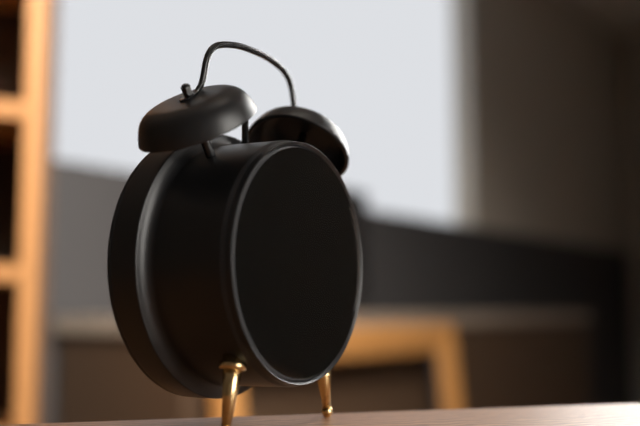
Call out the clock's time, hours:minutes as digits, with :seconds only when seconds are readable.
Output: 10:30
